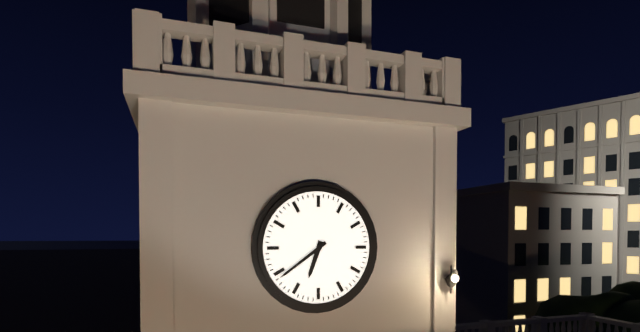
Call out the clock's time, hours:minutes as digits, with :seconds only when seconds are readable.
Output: 6:39
